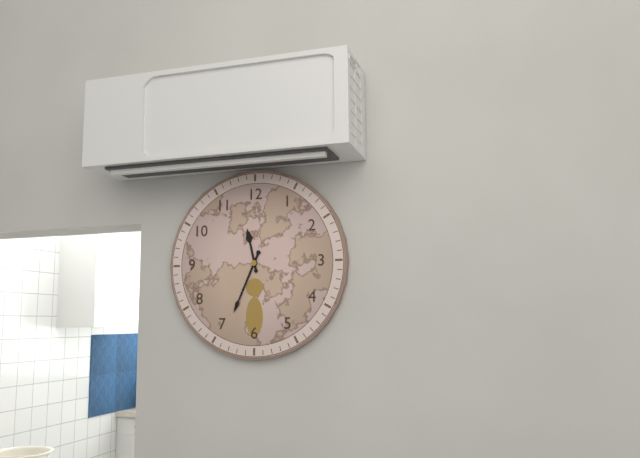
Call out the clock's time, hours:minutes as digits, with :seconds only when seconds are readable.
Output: 11:34
